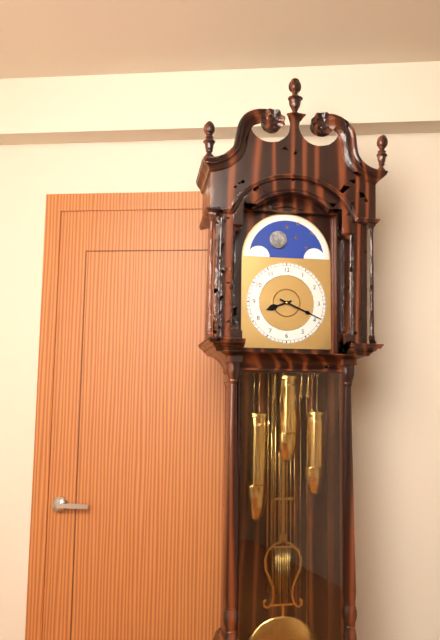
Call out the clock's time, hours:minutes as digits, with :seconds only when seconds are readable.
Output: 8:19
